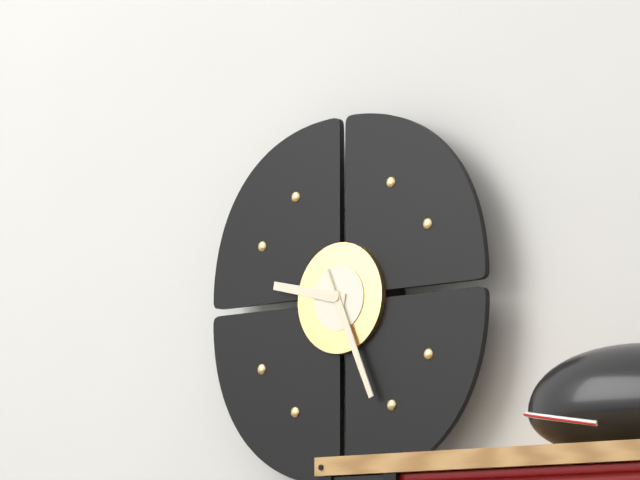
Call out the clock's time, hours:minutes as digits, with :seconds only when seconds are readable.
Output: 9:26
